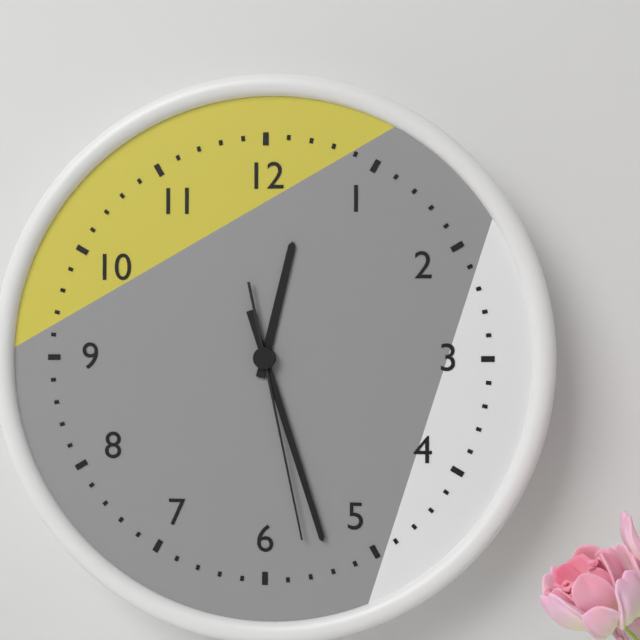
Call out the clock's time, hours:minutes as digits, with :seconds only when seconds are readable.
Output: 12:27:28
